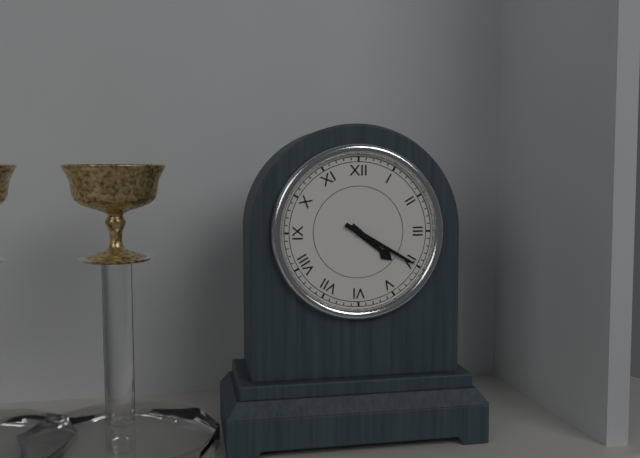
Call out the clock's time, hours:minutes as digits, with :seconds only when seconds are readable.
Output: 4:20
